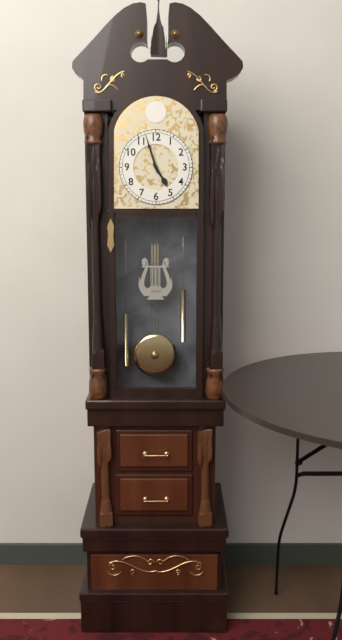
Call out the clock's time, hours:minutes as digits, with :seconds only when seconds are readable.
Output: 4:57
